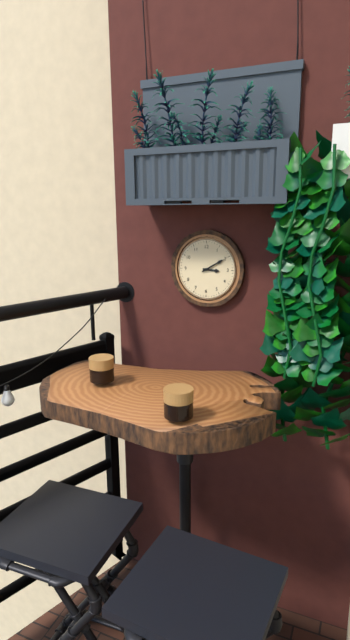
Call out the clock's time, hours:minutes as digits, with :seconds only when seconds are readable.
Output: 3:10
